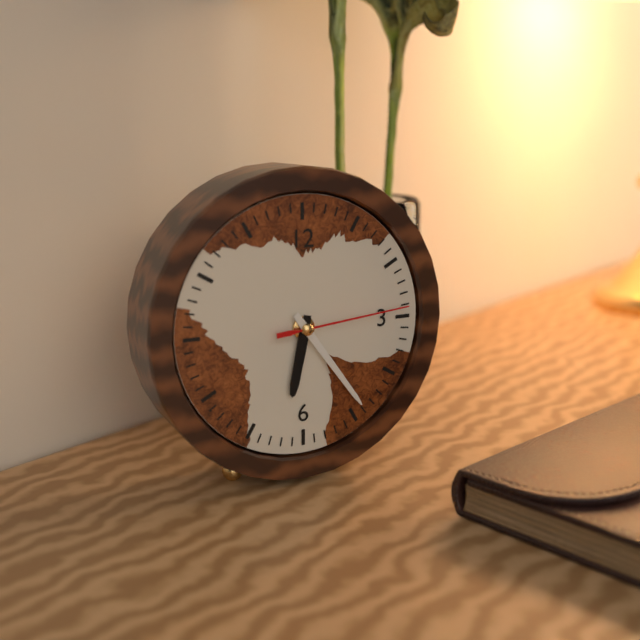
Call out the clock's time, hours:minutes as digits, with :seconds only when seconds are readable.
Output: 6:24:14
